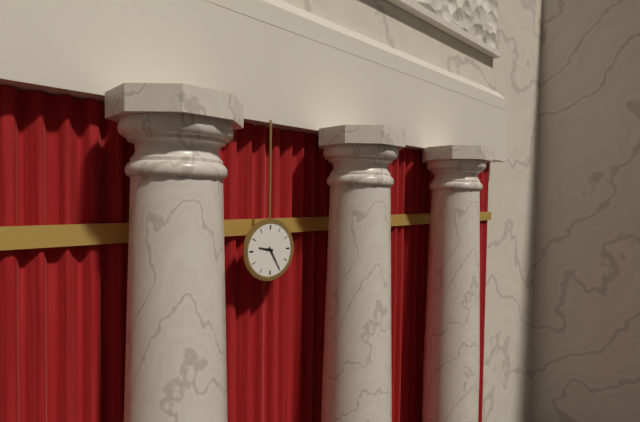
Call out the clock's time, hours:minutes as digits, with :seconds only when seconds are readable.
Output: 9:25
